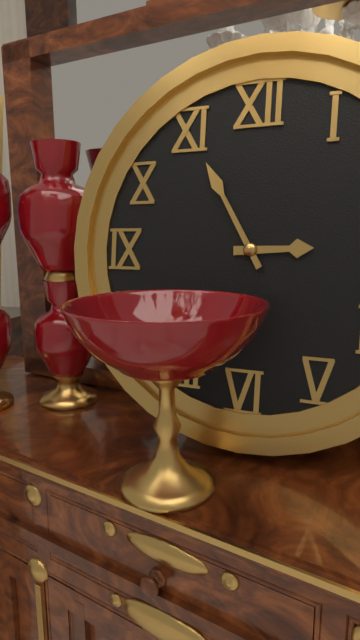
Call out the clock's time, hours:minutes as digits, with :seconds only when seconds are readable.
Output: 2:55
